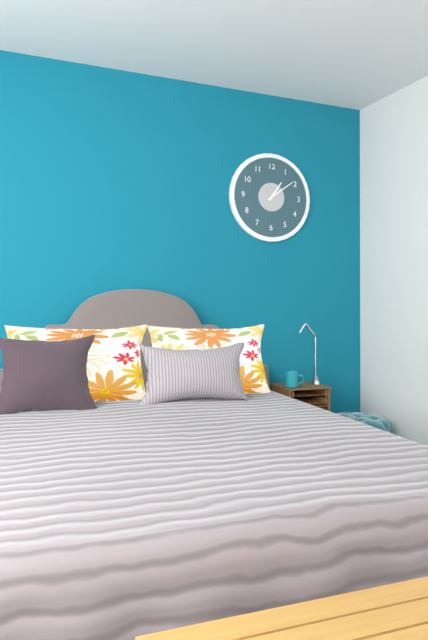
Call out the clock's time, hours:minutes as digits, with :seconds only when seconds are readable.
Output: 1:09
